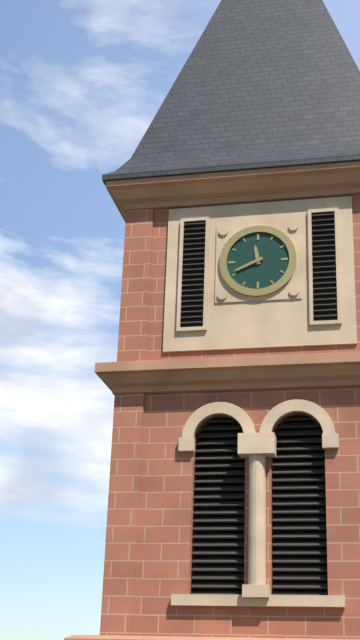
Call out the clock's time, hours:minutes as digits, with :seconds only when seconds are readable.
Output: 11:41
